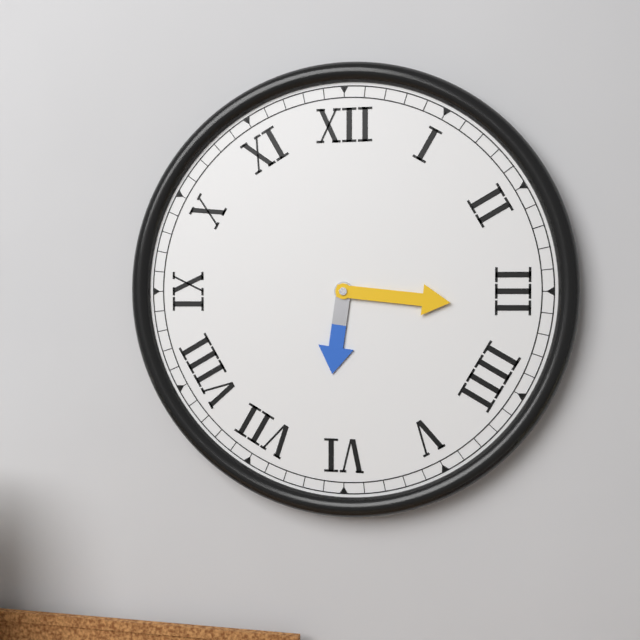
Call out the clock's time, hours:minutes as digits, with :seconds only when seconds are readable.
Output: 6:16
